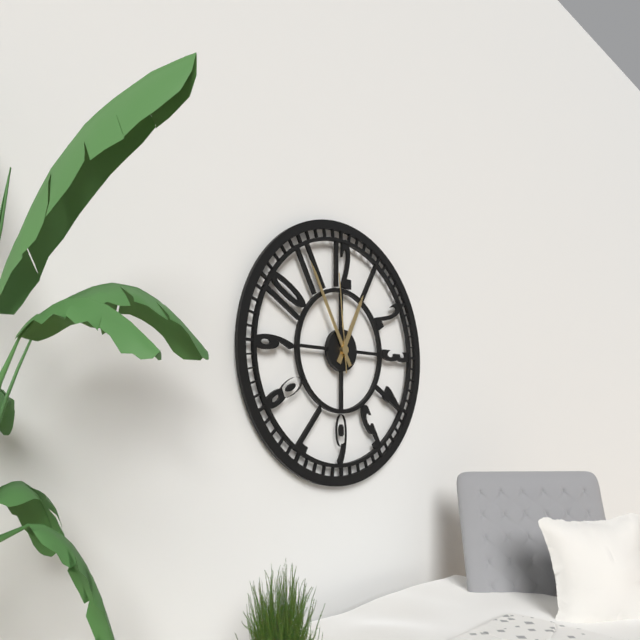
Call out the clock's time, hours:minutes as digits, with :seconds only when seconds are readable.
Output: 12:55:59
